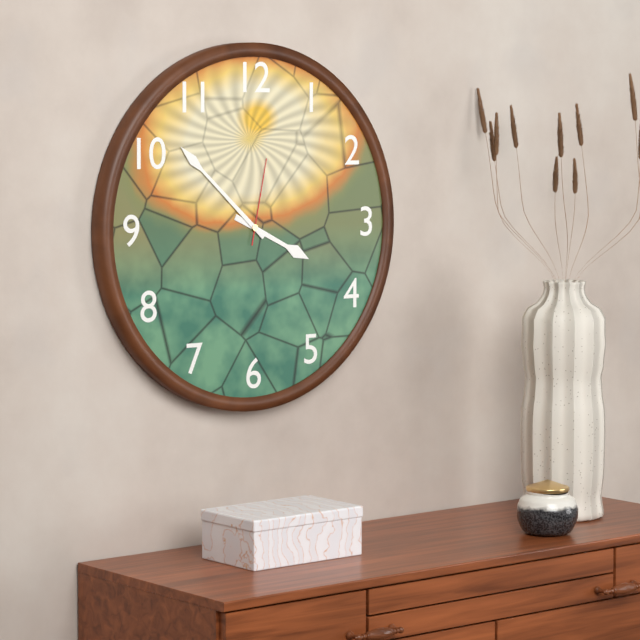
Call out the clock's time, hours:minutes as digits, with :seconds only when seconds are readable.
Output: 3:52:02
